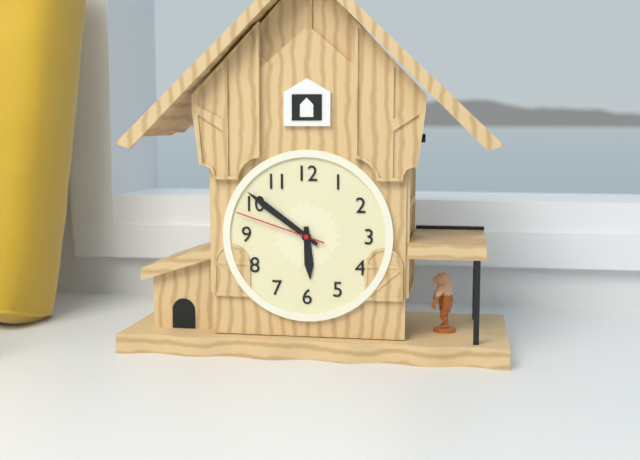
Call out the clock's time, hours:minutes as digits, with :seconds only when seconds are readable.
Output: 5:51:48
